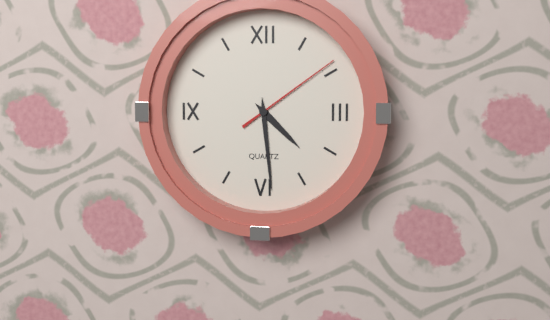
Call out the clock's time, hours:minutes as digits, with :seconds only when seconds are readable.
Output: 4:29:09
